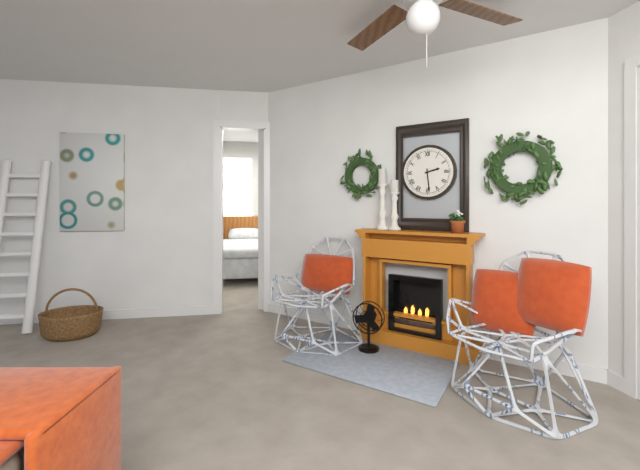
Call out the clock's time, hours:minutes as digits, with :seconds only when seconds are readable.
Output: 2:29
